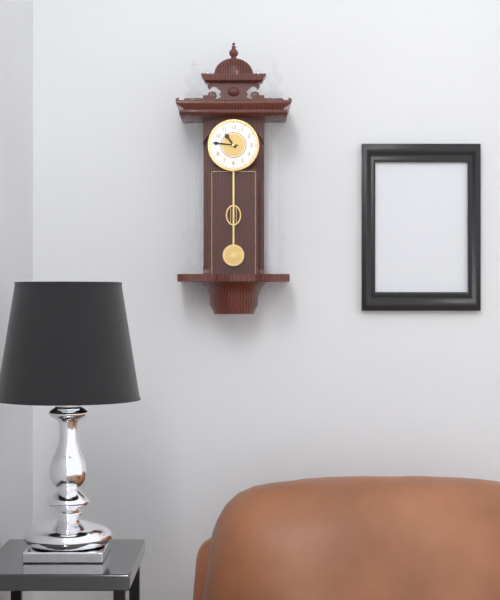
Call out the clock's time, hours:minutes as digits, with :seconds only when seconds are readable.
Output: 10:46
